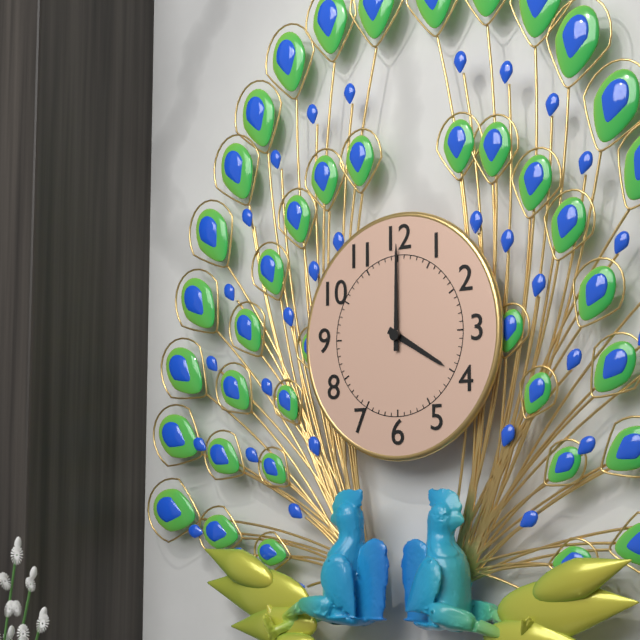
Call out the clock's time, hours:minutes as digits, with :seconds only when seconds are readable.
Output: 4:00
